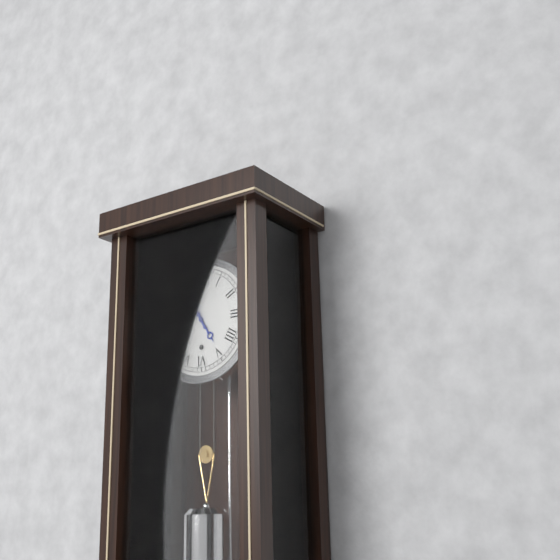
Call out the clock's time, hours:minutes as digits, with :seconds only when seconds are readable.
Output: 4:55
